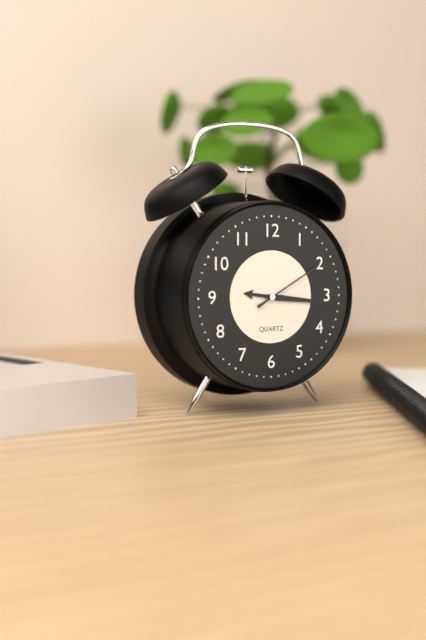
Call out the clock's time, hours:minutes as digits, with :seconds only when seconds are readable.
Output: 9:16:10
